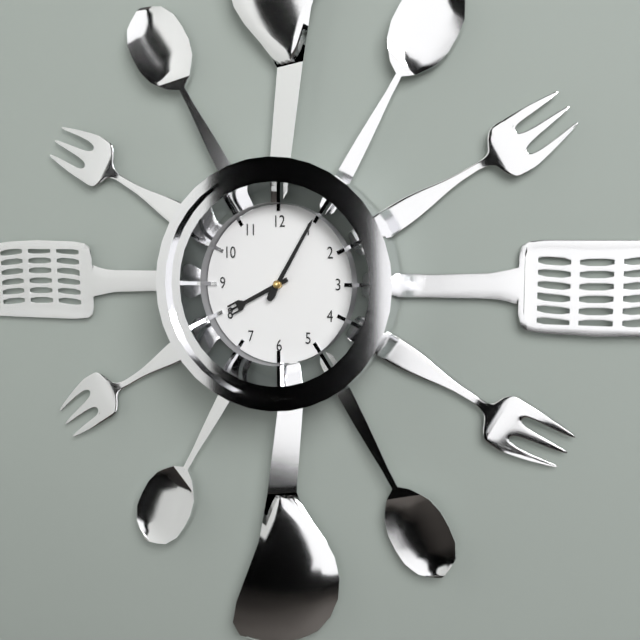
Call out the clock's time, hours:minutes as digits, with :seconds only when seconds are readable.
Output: 8:05
